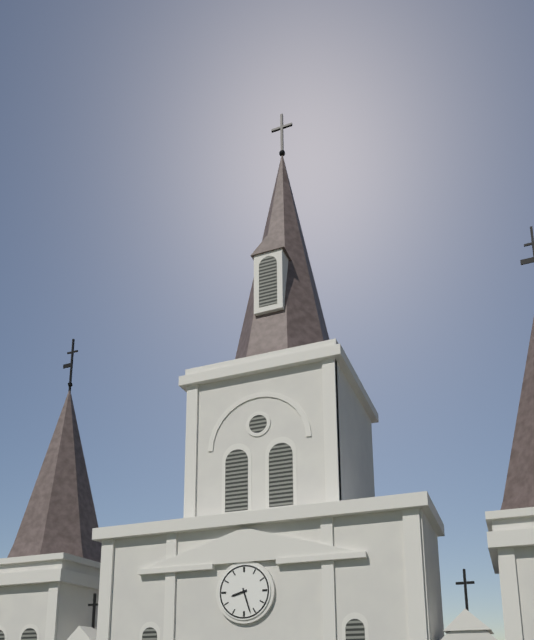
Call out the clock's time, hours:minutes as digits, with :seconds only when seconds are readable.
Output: 8:27
